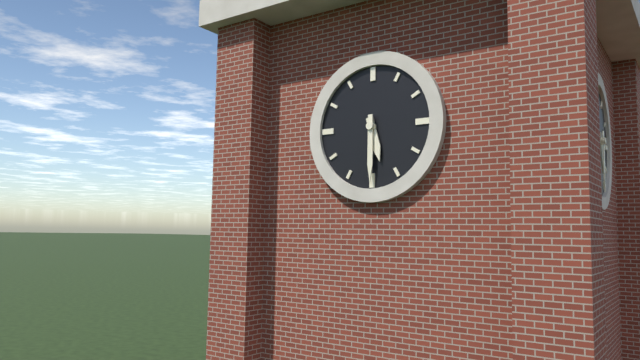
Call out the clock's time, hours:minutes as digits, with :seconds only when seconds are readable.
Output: 5:30
